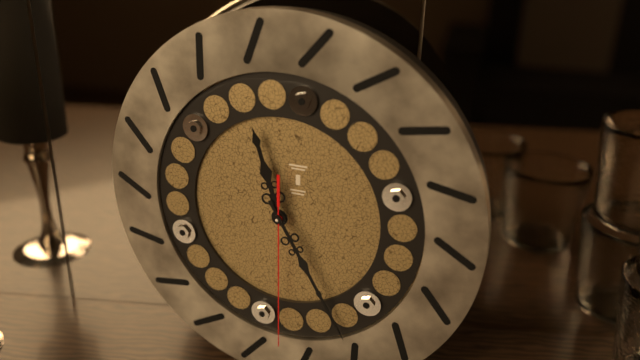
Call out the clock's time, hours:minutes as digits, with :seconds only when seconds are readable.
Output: 11:25:30
